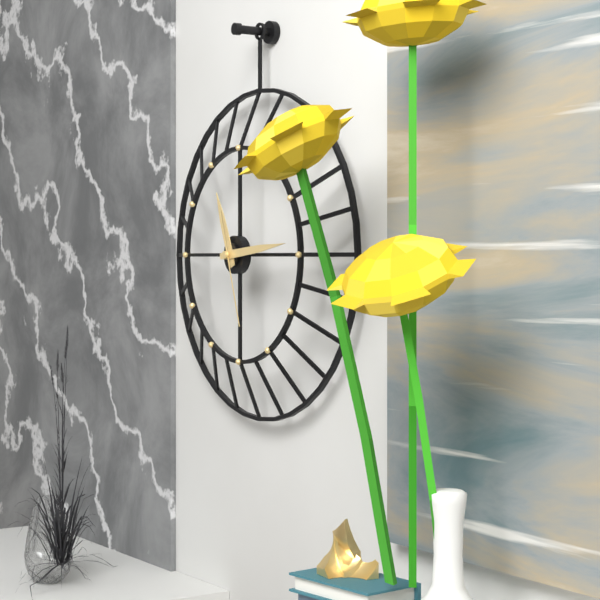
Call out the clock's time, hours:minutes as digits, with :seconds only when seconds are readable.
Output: 11:14:27
